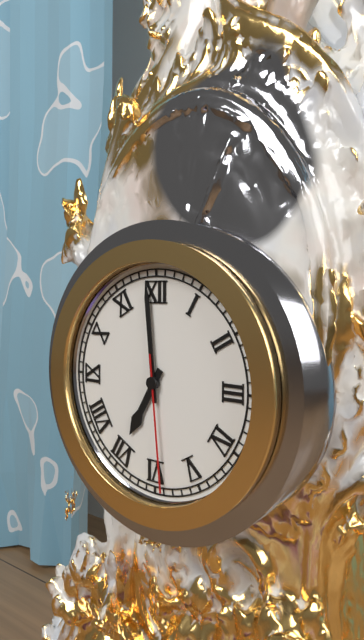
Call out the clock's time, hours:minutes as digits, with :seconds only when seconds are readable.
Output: 6:59:29
